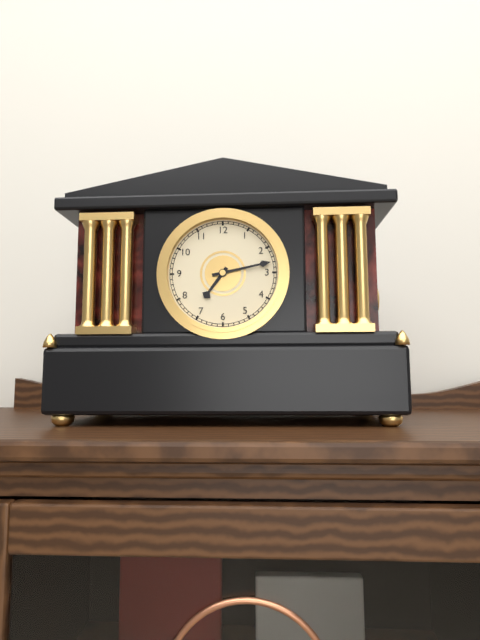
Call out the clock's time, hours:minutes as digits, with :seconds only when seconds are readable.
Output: 7:13
